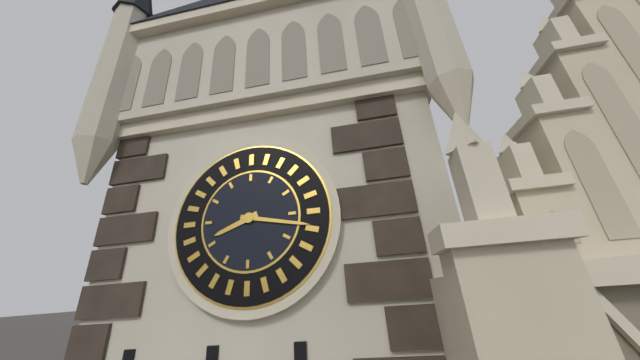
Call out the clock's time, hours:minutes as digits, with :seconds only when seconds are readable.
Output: 8:17
